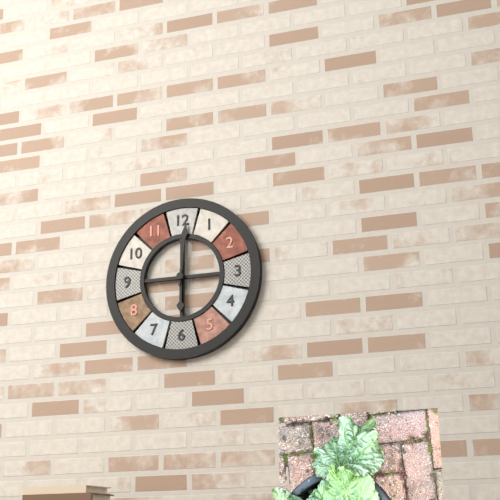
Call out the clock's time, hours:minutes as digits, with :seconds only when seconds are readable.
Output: 6:01
